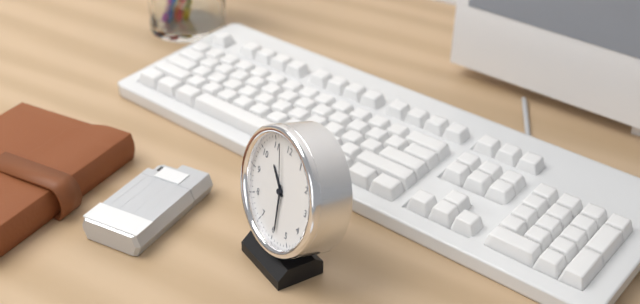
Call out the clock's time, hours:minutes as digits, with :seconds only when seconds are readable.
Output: 10:29:57
